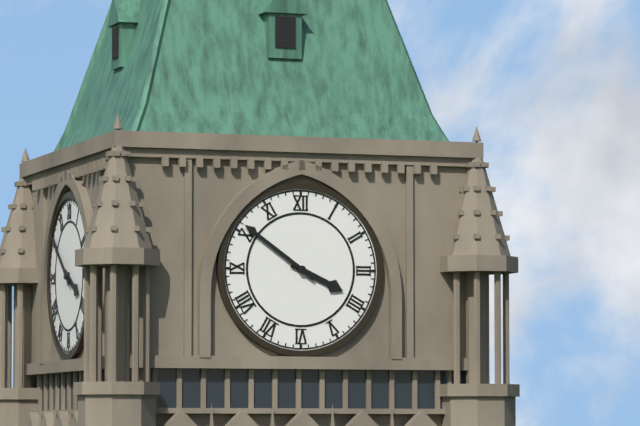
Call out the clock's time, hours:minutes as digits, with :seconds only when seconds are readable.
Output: 3:51
